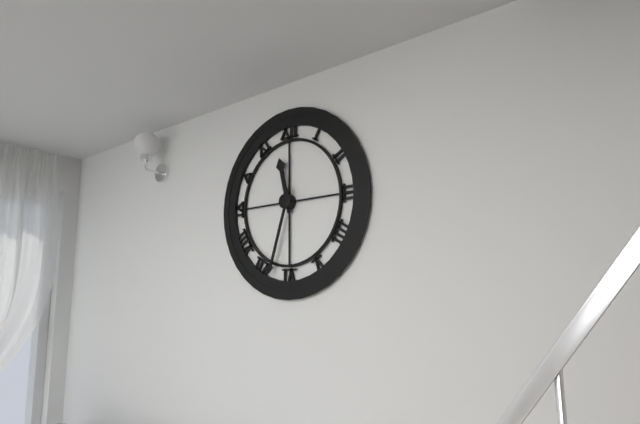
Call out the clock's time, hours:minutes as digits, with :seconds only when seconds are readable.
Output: 11:33
